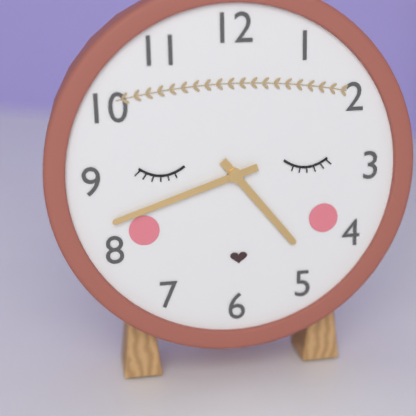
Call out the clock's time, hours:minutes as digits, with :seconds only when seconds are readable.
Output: 4:42
